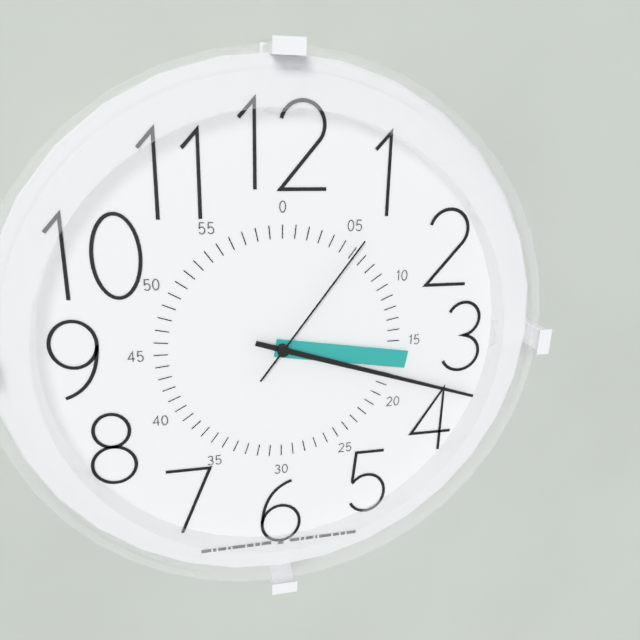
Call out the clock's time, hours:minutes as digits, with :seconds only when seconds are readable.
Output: 3:18:06
